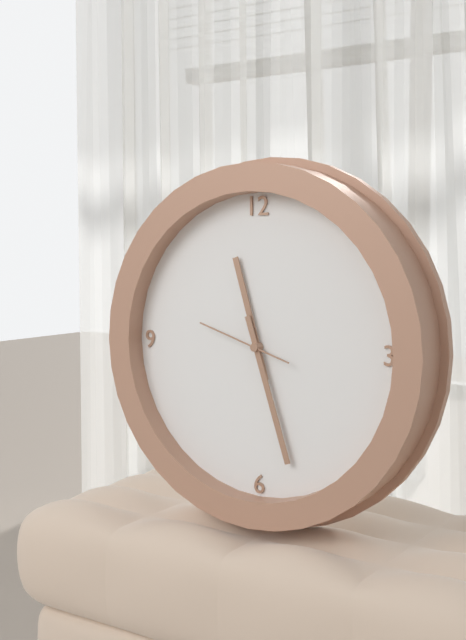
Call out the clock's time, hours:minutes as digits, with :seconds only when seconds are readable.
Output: 11:27:48
